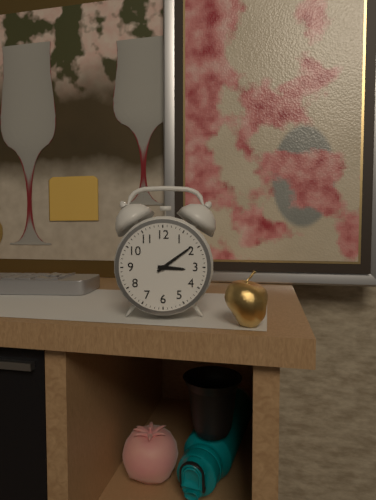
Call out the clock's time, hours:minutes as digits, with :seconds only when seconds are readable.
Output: 3:09
